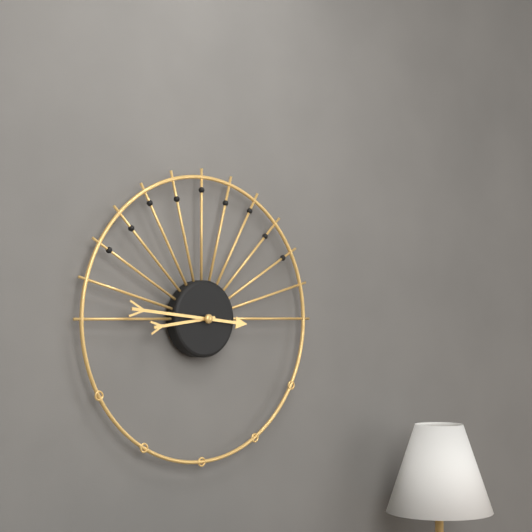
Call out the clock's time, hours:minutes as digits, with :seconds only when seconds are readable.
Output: 8:46
